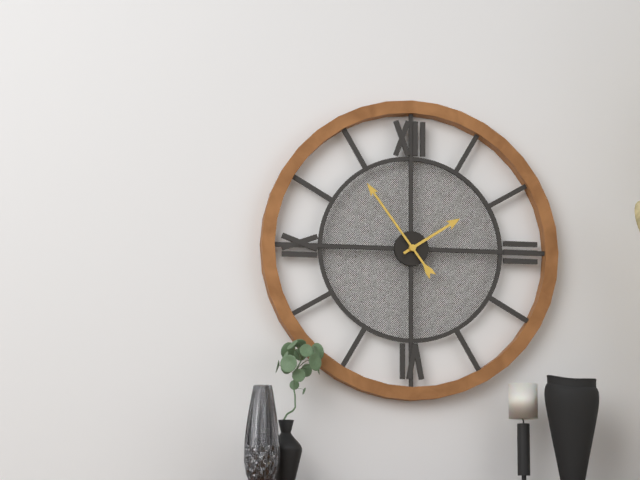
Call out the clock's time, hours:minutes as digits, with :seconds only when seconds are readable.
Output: 1:54
